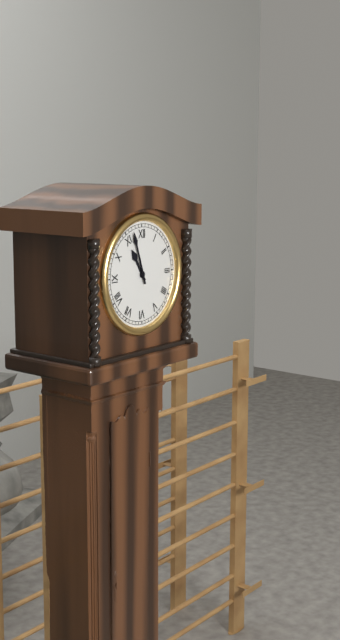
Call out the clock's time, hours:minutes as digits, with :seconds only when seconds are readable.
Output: 10:57
